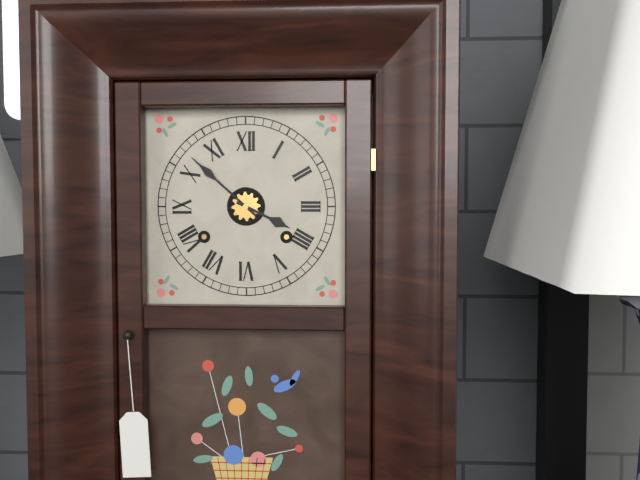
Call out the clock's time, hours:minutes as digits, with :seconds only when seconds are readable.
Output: 3:52
